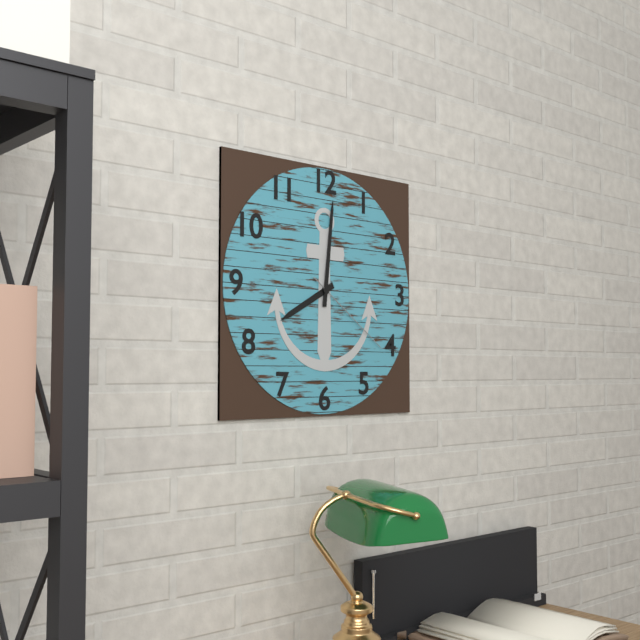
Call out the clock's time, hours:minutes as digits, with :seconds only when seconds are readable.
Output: 8:01:21
